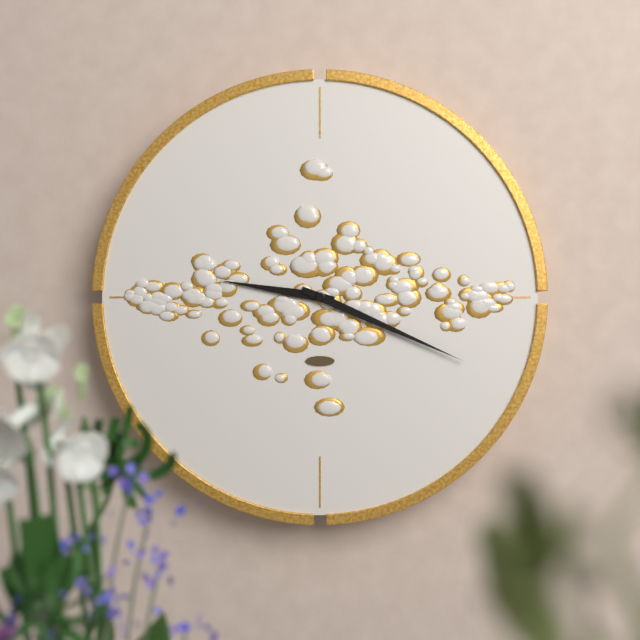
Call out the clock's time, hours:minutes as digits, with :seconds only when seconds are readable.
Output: 9:19
